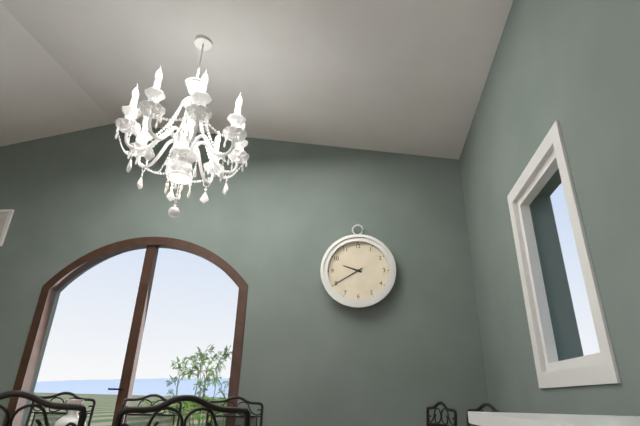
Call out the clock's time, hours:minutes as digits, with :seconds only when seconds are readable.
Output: 9:40
